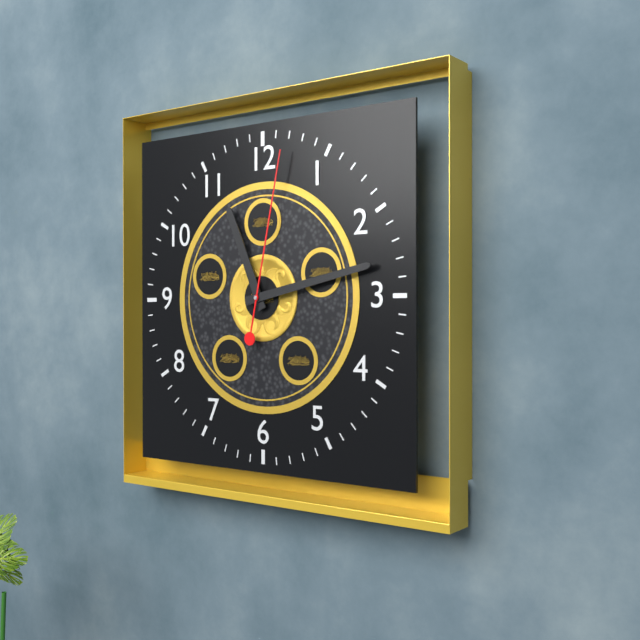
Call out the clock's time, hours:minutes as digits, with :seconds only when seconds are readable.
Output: 11:13:02
